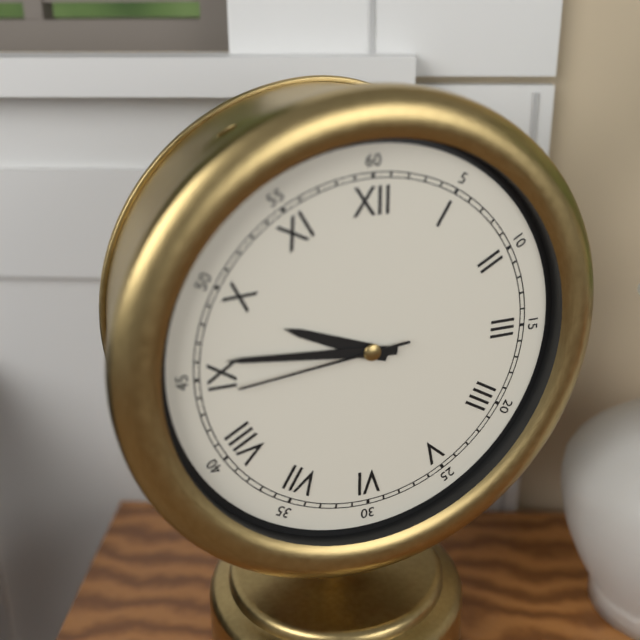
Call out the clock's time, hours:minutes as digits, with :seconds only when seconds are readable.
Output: 9:46:44
